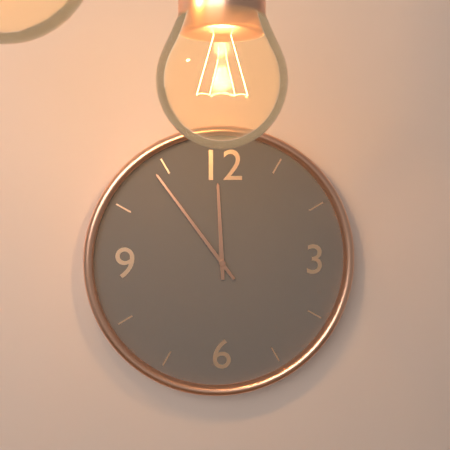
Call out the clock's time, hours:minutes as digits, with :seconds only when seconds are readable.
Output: 11:54
